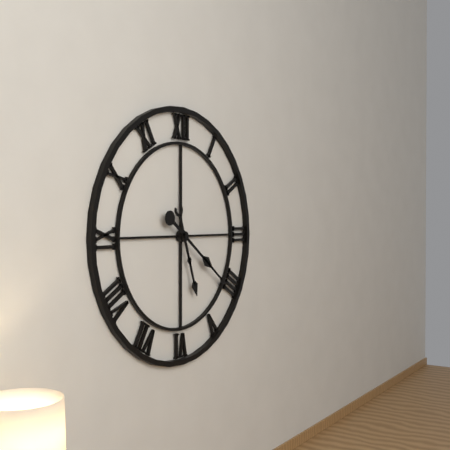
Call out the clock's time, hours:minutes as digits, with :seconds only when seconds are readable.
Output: 5:21
